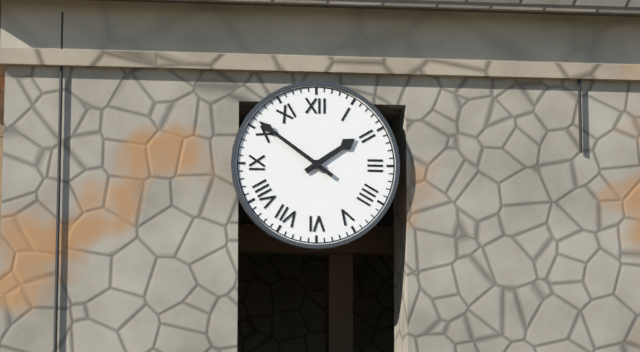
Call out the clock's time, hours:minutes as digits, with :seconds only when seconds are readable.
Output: 1:51
